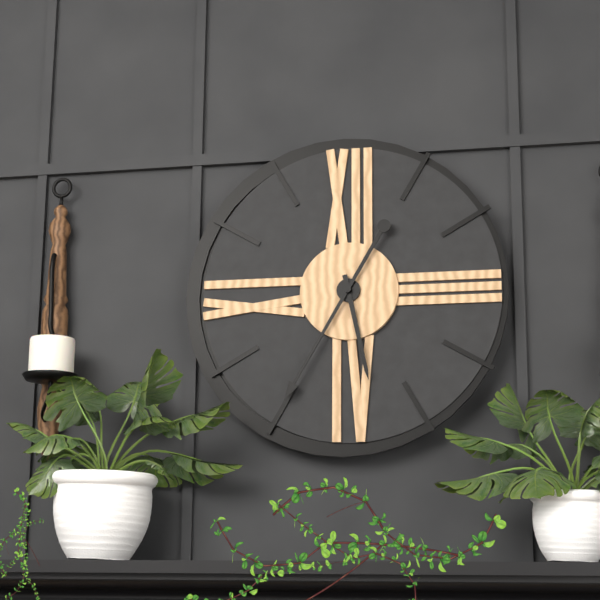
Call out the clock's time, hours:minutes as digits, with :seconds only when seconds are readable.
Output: 5:35
